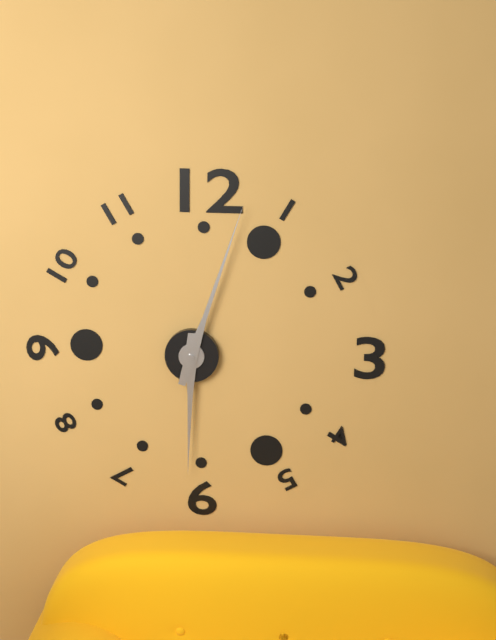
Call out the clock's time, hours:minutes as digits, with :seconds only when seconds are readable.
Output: 6:03
